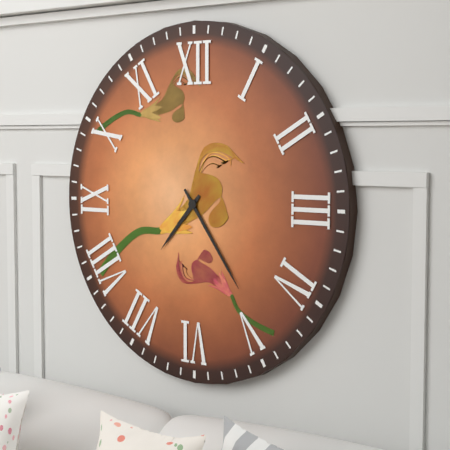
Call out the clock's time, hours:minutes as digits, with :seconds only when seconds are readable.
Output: 7:24
